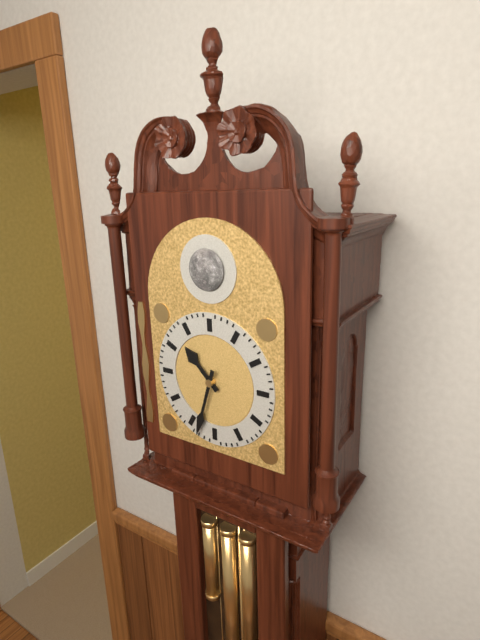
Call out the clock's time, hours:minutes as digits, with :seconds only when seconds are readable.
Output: 10:33
